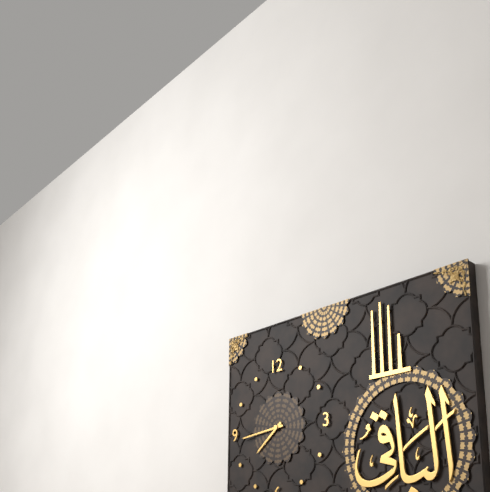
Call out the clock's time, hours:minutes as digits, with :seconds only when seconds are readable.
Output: 7:44
